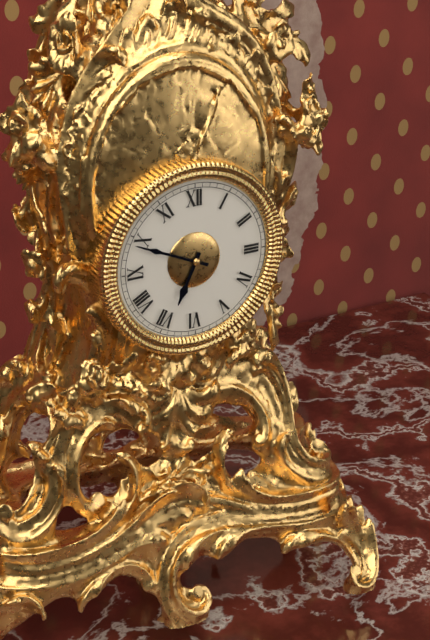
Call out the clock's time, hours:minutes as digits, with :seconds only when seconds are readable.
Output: 6:49
